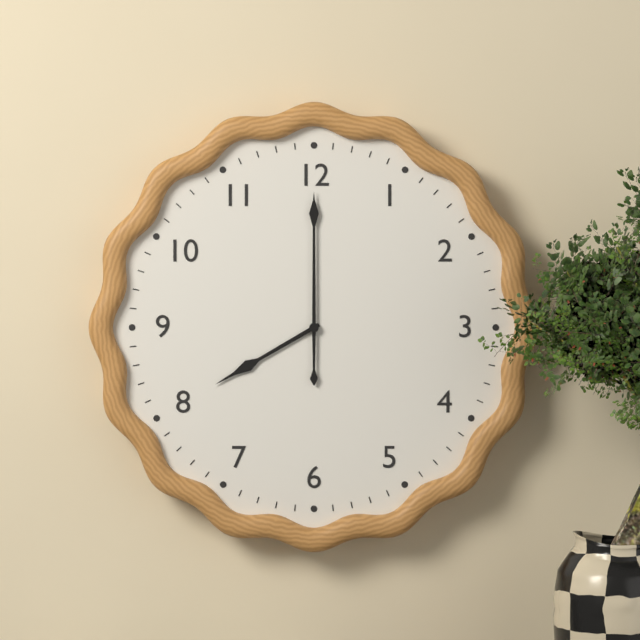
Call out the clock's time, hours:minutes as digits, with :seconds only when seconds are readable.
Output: 8:00
